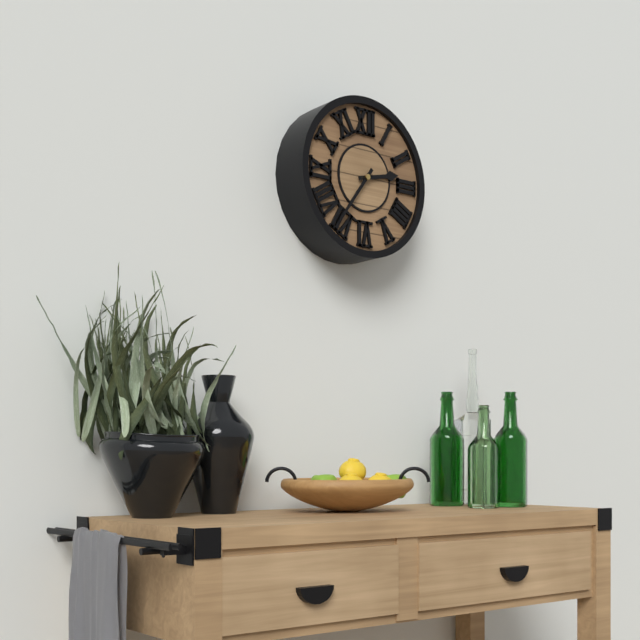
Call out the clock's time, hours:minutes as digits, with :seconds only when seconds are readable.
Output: 2:36
